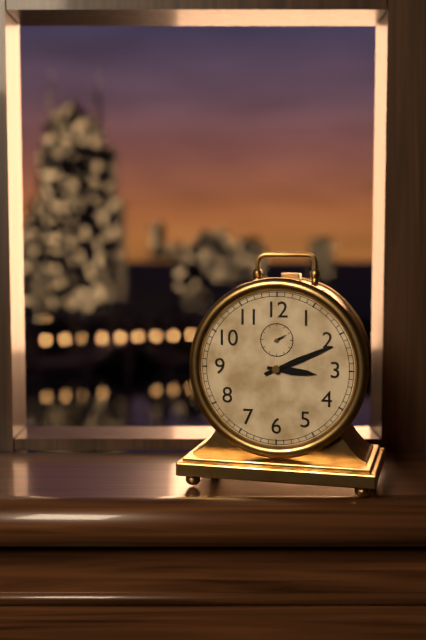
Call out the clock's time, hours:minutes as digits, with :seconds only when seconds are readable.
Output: 3:11
